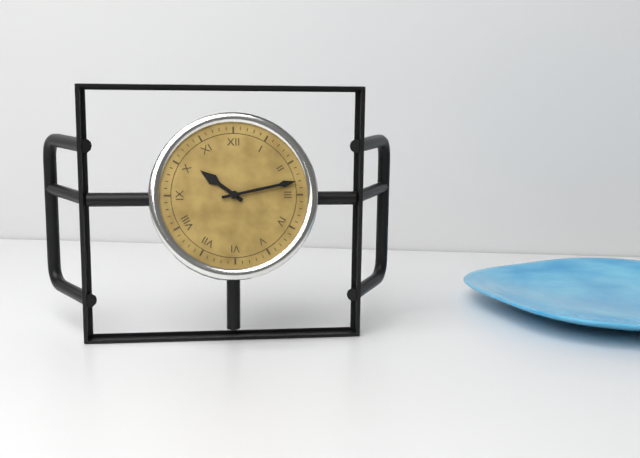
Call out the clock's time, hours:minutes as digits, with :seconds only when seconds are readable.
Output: 10:13
